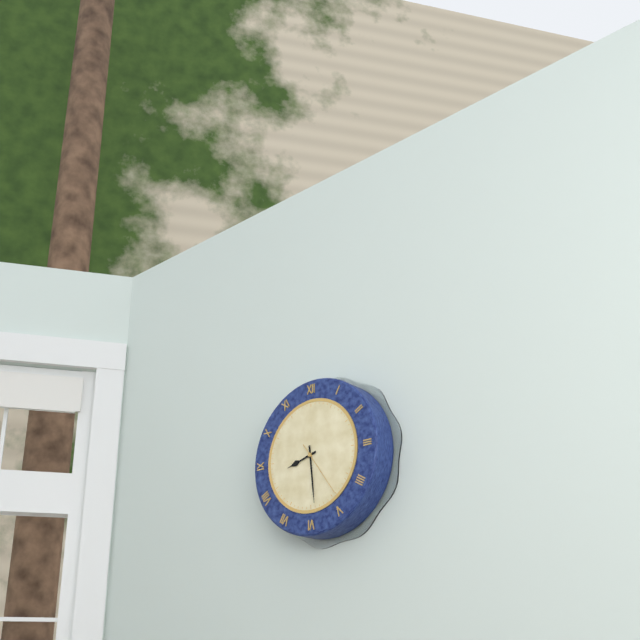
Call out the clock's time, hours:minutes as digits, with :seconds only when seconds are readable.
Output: 8:29:24
